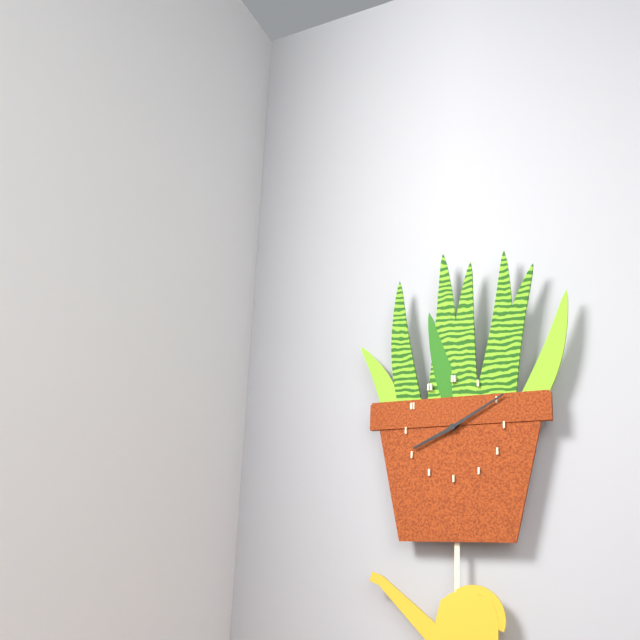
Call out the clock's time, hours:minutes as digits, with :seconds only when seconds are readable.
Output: 8:10
